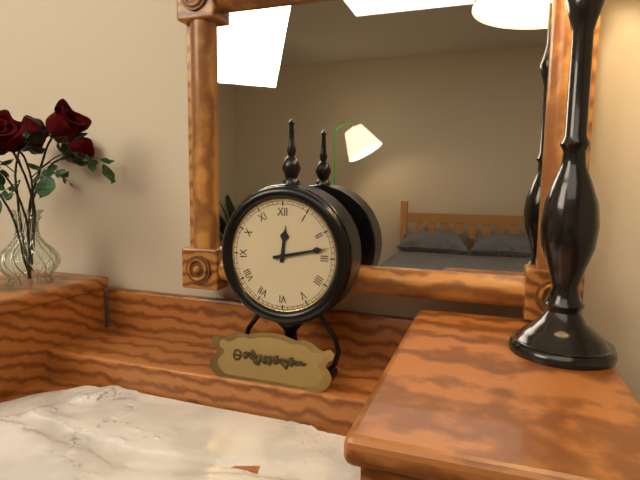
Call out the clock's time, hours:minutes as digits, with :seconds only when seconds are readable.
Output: 12:13
